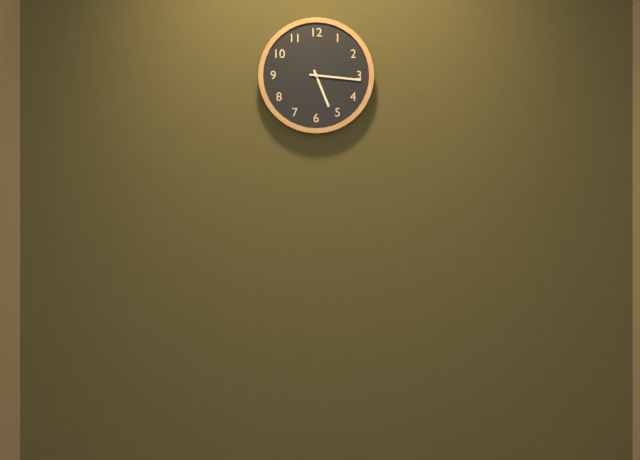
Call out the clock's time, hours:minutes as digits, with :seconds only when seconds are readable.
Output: 5:16
